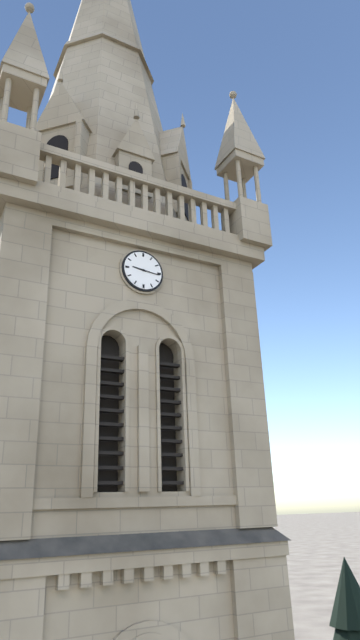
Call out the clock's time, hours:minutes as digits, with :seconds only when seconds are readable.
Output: 9:16
